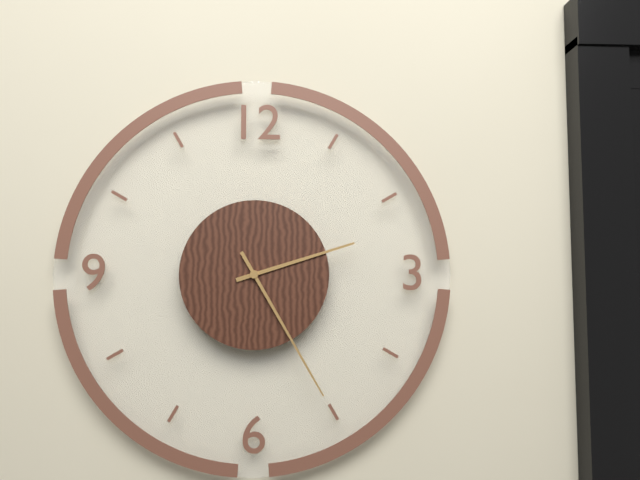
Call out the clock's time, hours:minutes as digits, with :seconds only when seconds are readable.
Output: 2:25
